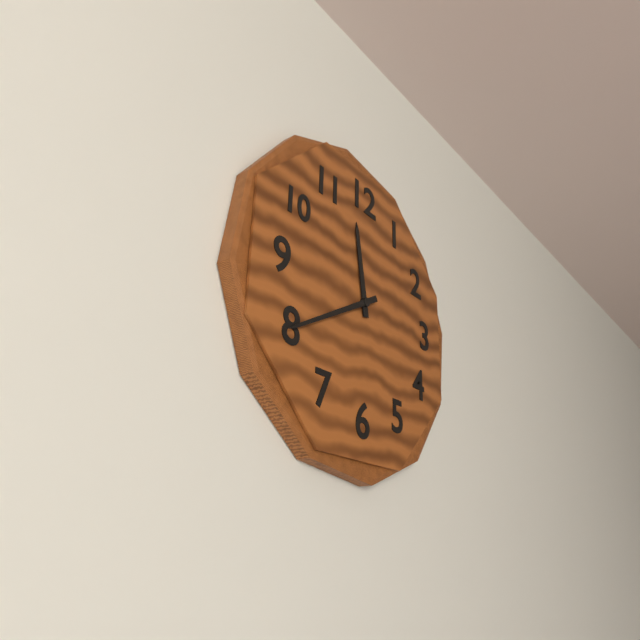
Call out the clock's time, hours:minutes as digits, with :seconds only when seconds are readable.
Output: 11:40
